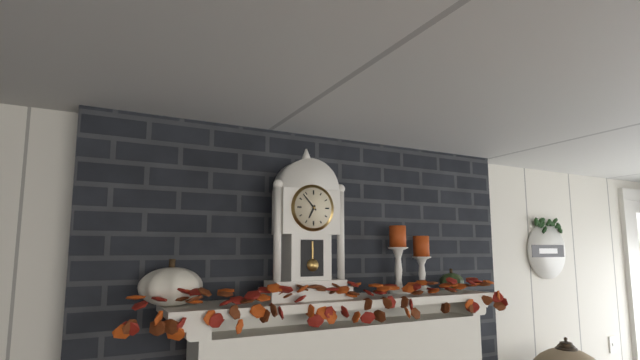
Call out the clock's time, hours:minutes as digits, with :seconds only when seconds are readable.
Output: 6:53
